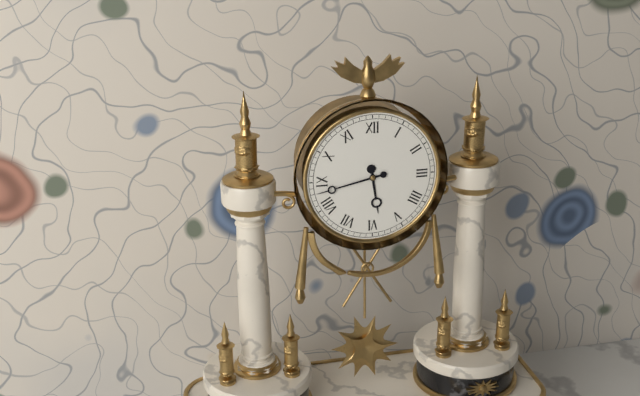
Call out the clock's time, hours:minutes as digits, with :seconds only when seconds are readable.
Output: 5:43
